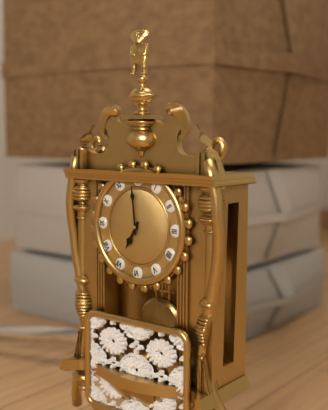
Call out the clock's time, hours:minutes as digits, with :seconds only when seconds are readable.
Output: 6:59
